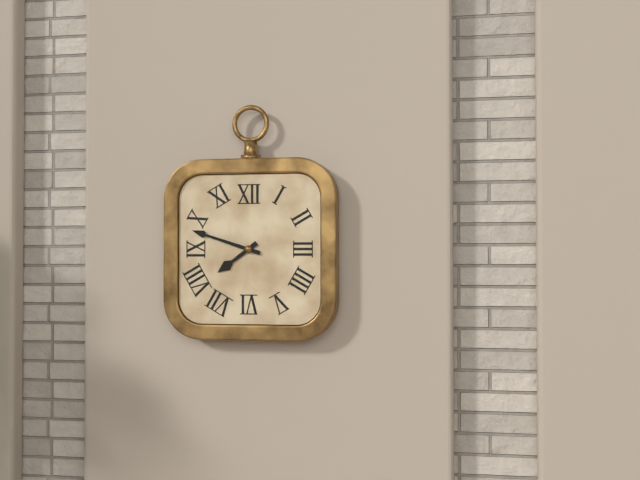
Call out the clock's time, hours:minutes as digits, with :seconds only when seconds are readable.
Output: 7:48
